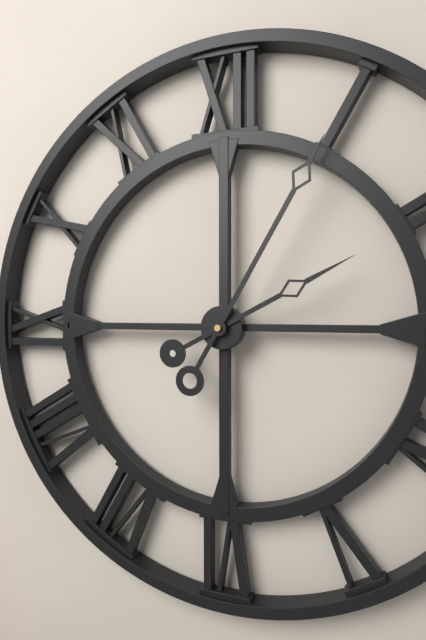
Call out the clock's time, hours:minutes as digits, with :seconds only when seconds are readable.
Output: 2:05
